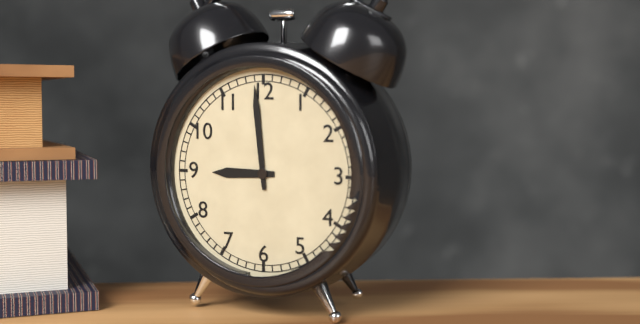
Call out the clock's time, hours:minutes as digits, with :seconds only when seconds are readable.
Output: 8:59
